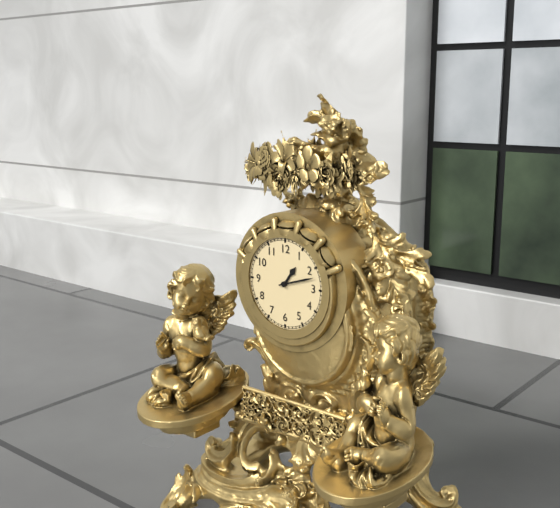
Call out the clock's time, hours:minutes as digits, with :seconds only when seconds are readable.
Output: 1:12
